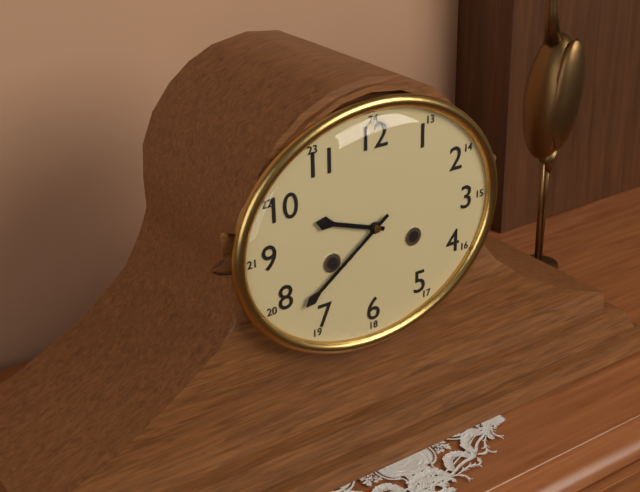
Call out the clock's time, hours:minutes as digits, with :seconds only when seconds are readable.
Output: 9:39
